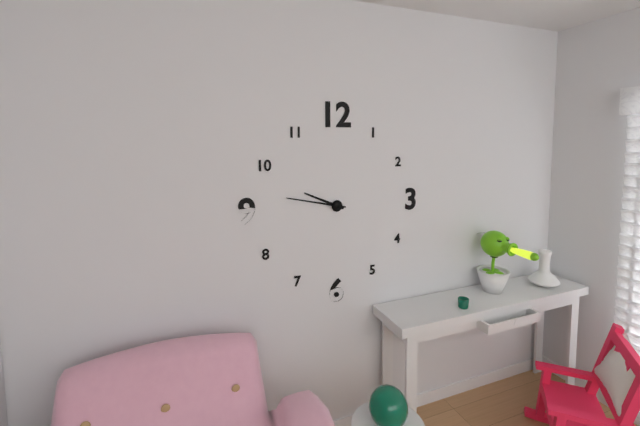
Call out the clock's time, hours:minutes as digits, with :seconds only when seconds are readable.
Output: 9:47
